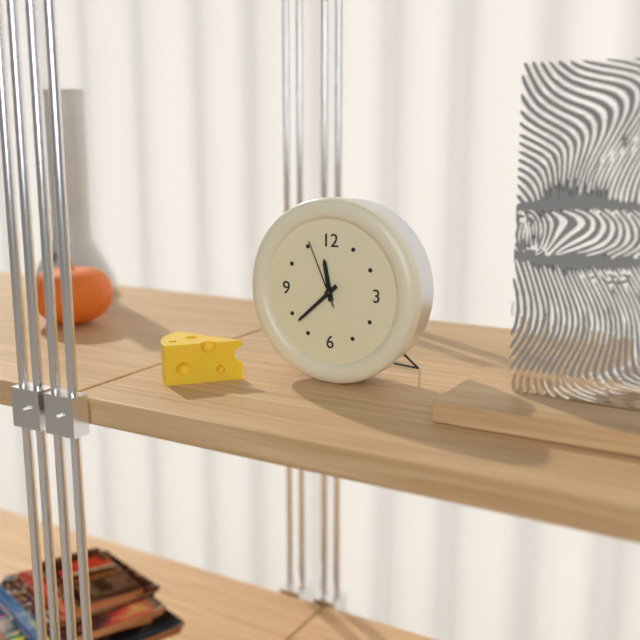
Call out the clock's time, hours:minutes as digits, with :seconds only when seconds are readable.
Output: 11:38:56
